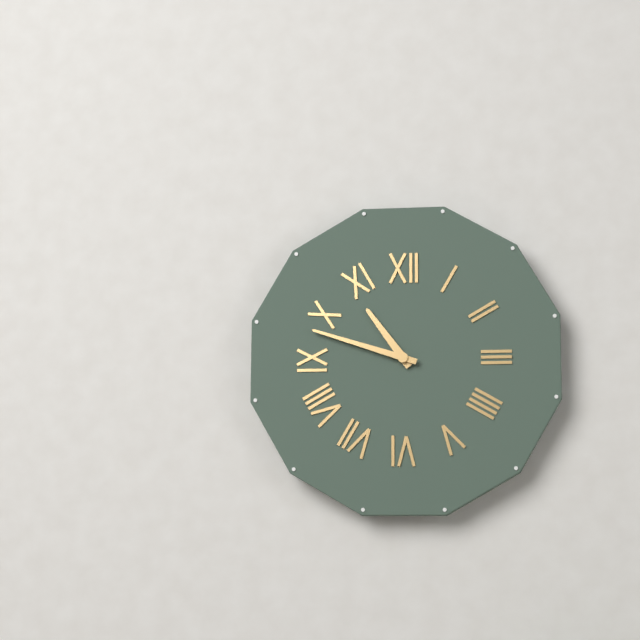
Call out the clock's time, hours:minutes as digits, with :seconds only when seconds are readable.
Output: 10:48
